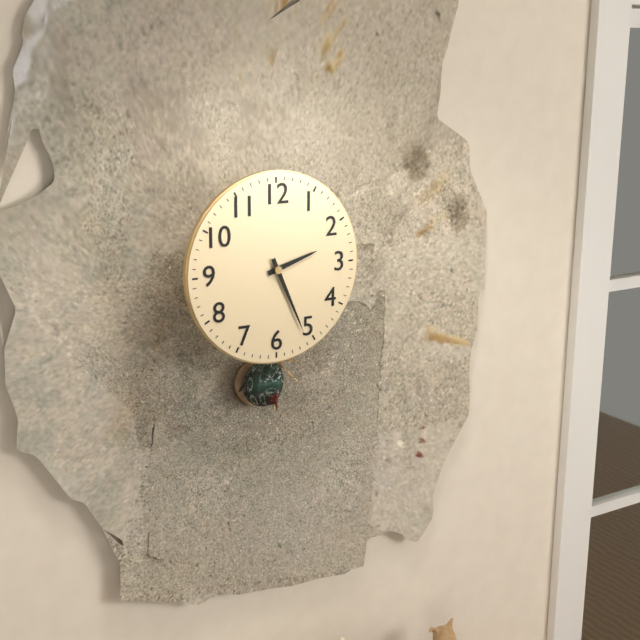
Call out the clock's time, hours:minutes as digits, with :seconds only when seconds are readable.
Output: 2:26
